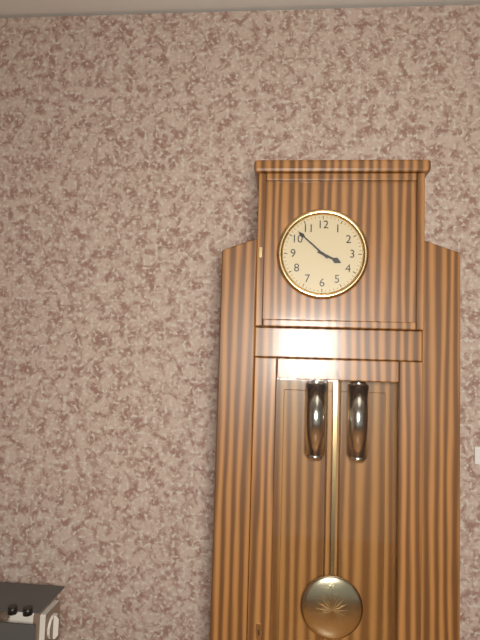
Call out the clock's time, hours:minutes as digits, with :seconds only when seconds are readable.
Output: 3:52
